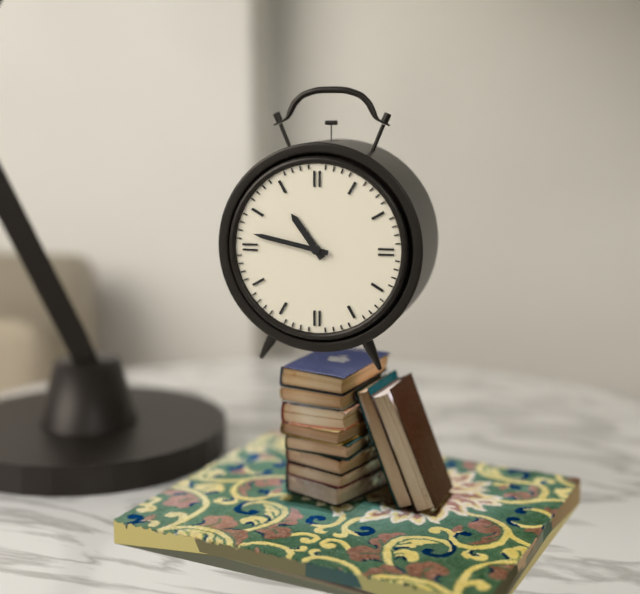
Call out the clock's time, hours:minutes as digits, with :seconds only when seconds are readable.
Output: 10:47
